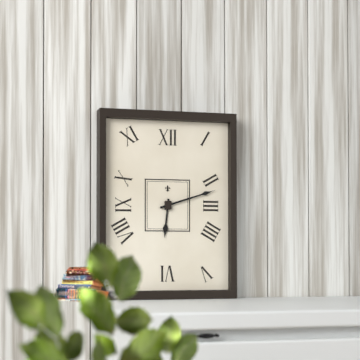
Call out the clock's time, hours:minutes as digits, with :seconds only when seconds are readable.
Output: 6:12
